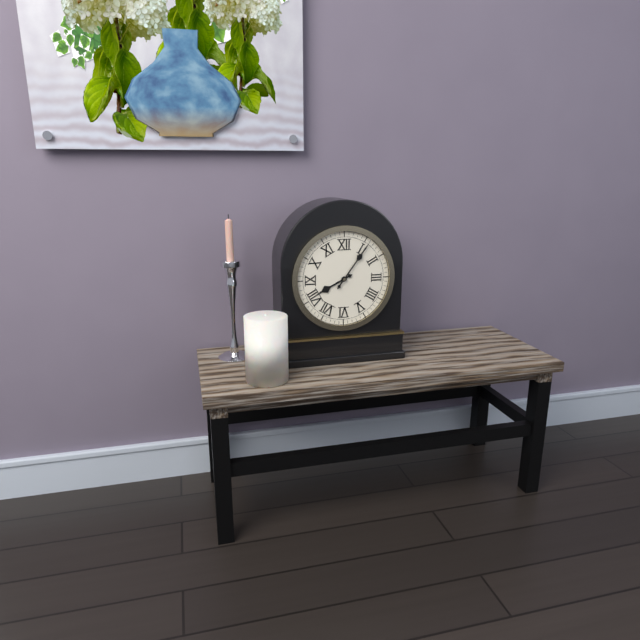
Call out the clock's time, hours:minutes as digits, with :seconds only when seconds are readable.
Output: 8:06
